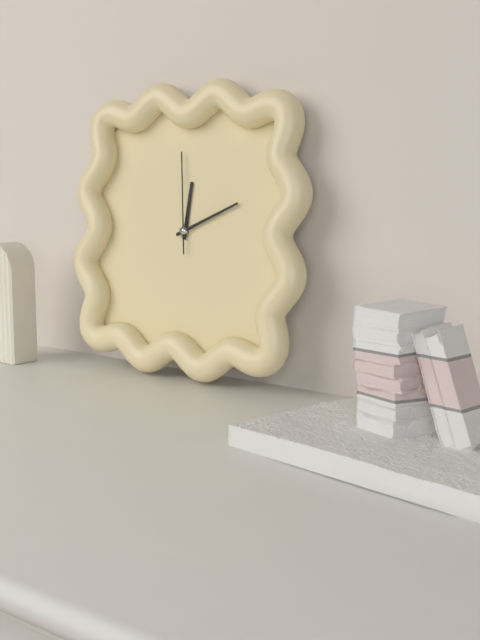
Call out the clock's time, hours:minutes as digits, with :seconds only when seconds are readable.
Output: 12:11:59
